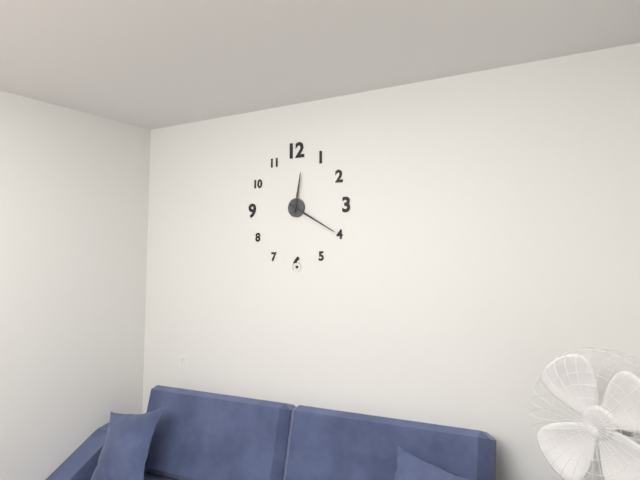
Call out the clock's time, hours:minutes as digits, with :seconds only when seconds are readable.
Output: 12:20
